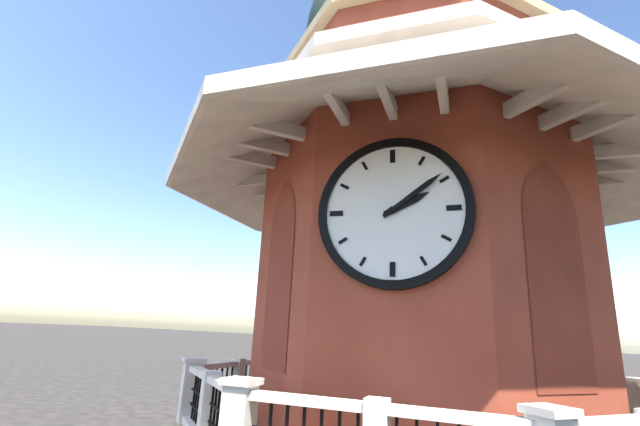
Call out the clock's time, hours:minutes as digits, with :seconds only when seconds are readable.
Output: 2:09
